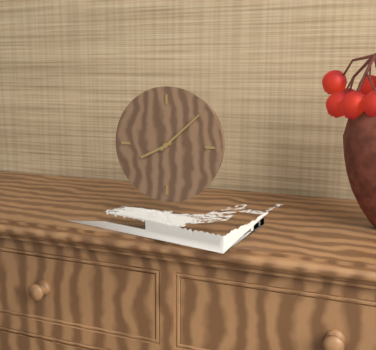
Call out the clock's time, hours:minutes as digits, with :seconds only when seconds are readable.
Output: 8:08
